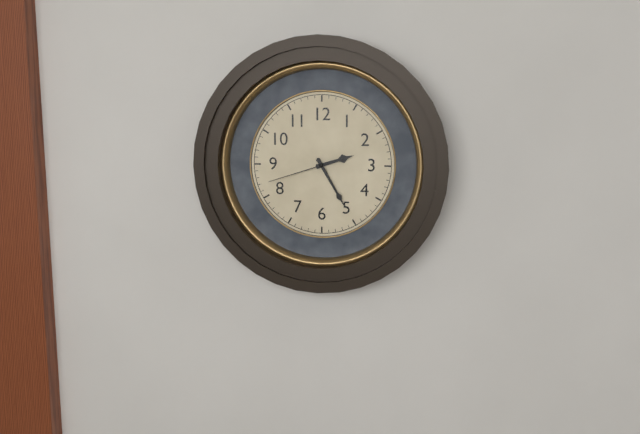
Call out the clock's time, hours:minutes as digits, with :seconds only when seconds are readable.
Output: 2:25:42
